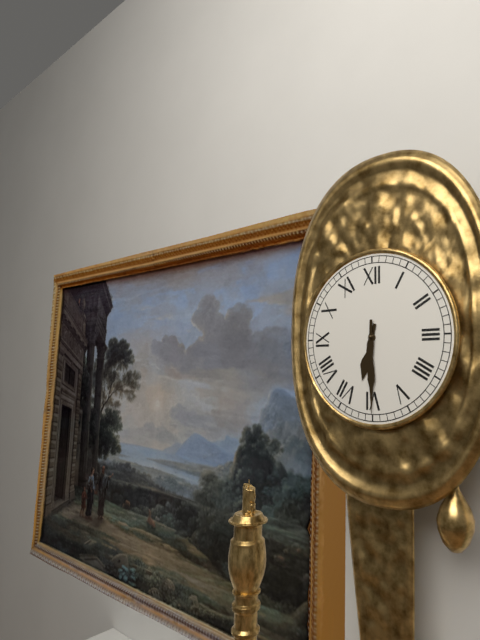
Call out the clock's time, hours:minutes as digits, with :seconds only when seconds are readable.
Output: 6:30
